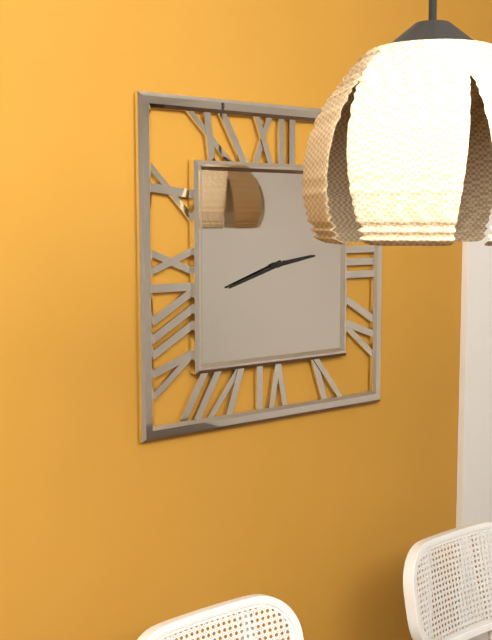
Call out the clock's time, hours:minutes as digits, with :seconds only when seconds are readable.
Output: 2:42
